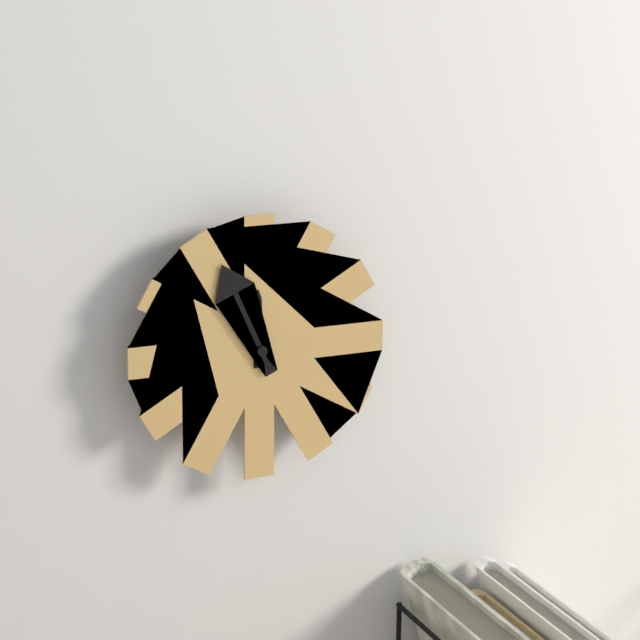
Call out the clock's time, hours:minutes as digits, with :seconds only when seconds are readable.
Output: 11:56
